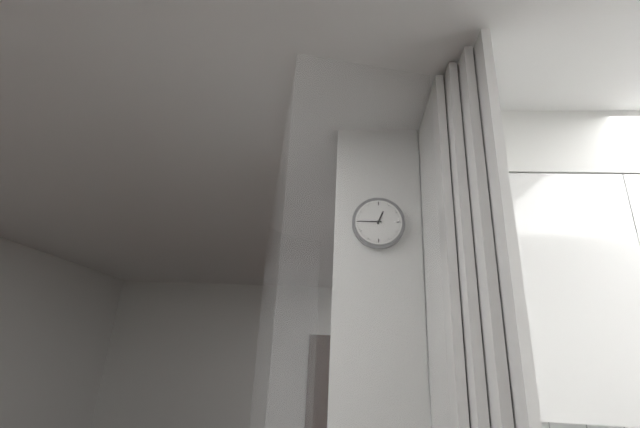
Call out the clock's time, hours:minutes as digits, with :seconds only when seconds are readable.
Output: 12:45
